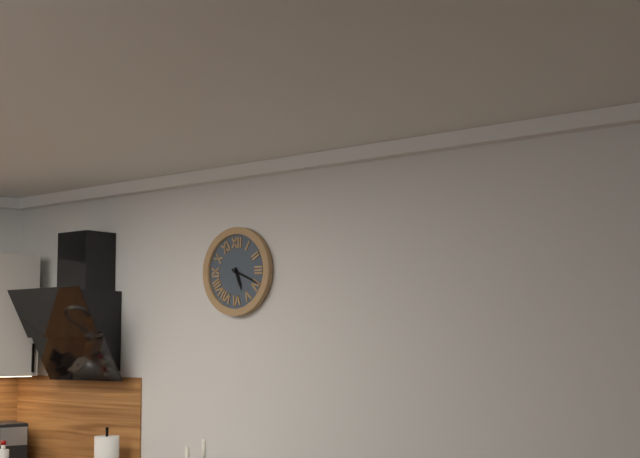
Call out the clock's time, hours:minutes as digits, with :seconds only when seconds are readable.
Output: 5:19
